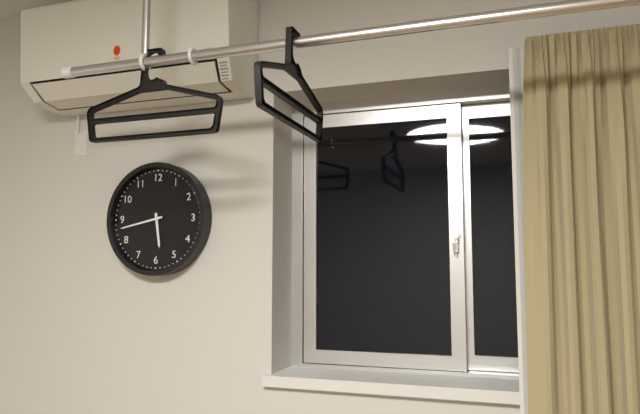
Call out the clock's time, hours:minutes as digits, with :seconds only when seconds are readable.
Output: 5:43
